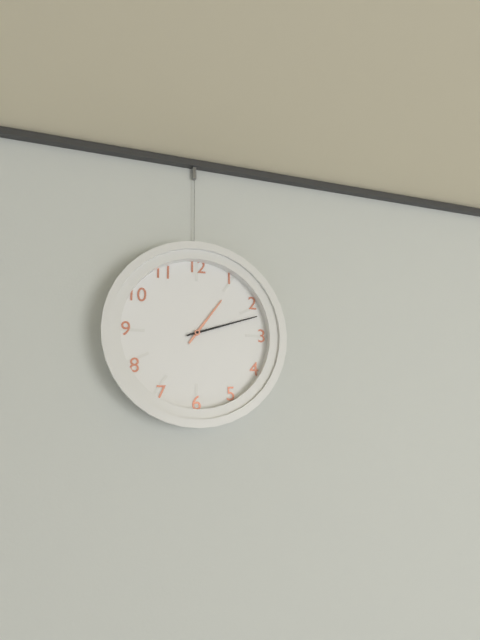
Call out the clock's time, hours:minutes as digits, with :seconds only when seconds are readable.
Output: 1:12
